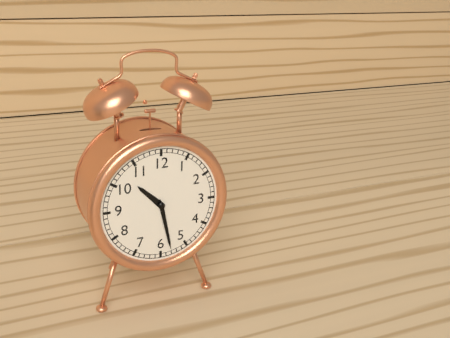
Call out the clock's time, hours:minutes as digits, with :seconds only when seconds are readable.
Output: 10:28
